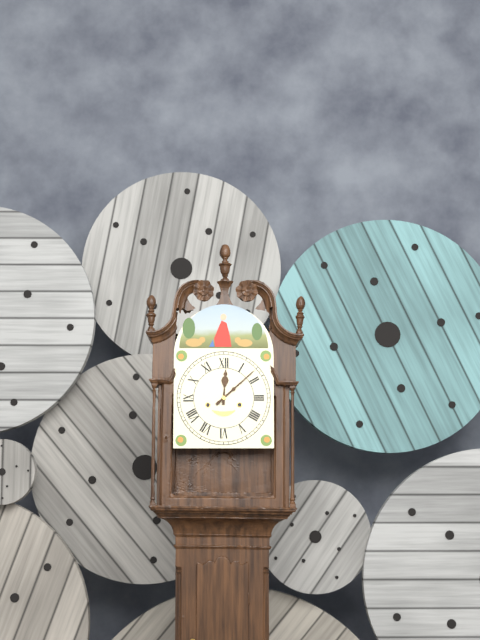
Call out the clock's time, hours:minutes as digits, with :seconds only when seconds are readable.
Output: 12:08
